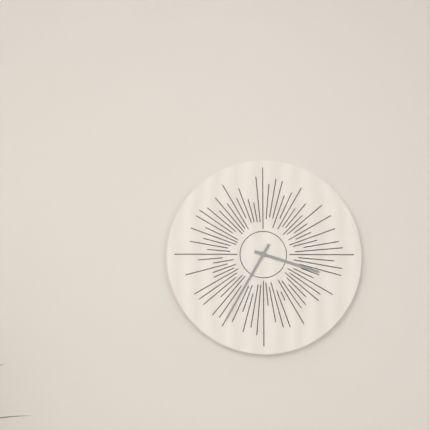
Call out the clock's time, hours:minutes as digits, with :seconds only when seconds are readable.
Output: 3:35
